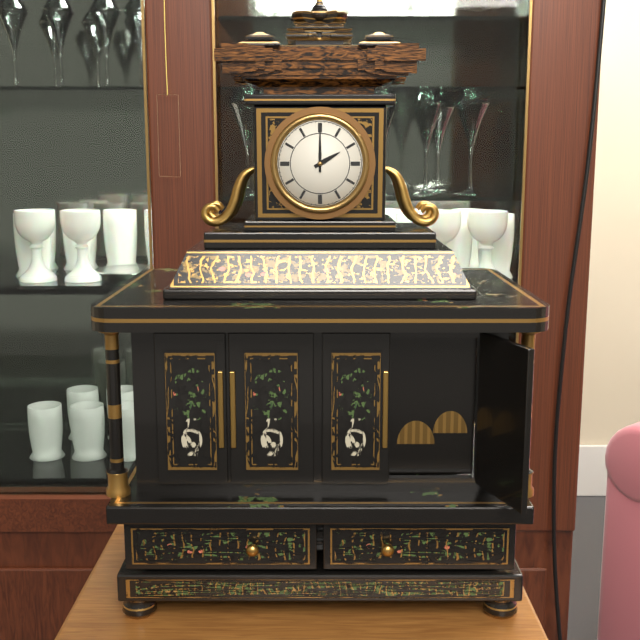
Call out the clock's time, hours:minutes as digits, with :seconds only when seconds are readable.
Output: 2:00
